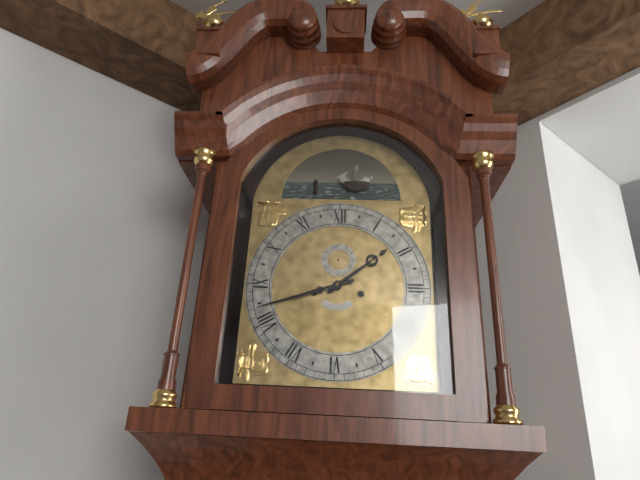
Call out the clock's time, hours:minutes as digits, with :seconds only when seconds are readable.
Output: 1:42
